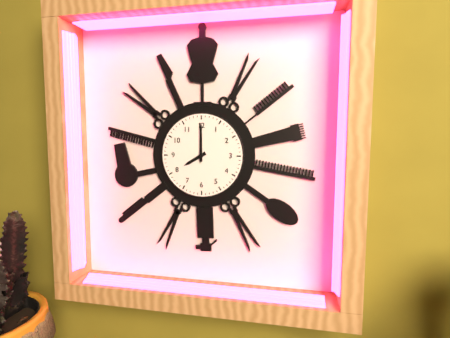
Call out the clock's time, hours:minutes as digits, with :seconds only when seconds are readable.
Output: 8:00
